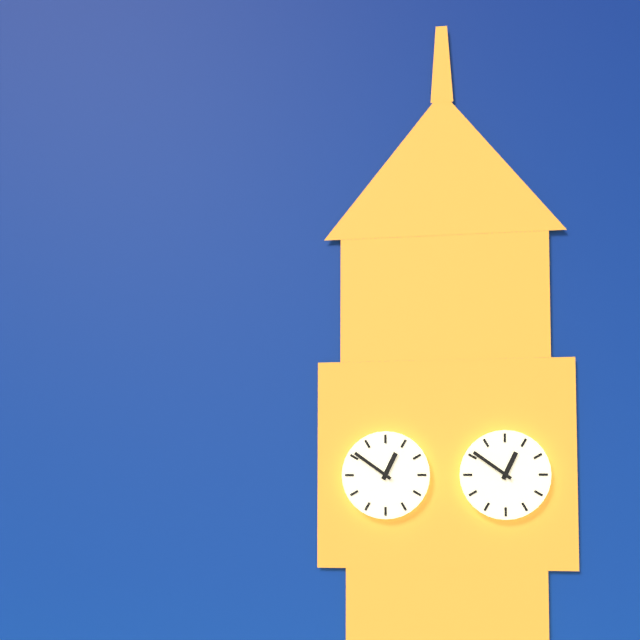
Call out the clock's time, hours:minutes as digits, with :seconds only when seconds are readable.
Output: 12:51
